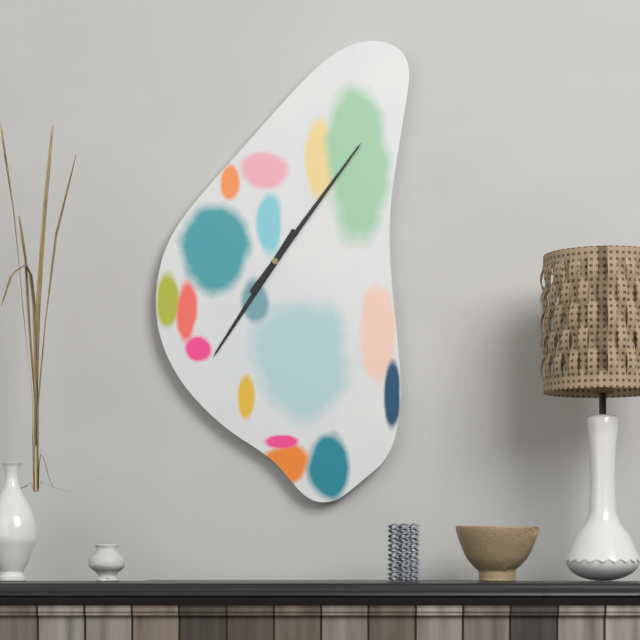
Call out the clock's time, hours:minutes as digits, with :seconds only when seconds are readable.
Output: 7:06
